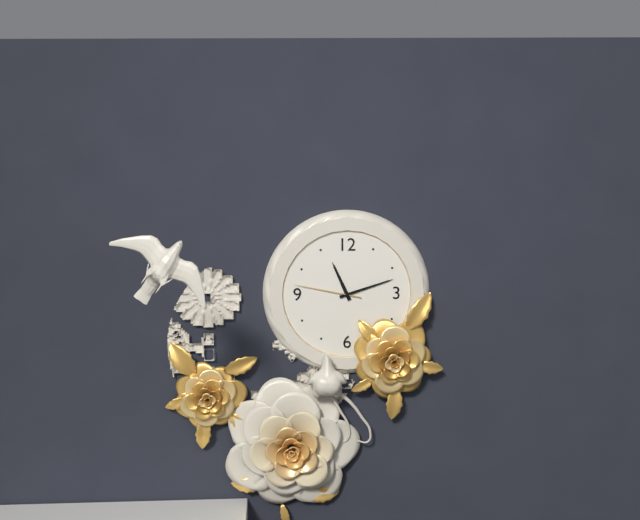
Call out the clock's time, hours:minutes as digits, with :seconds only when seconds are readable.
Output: 11:12:47
